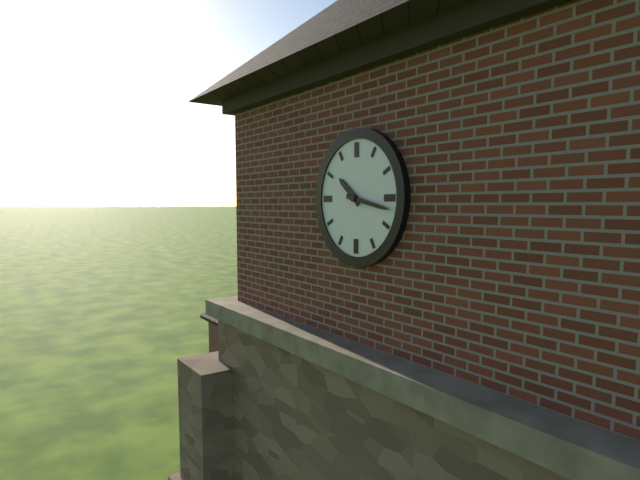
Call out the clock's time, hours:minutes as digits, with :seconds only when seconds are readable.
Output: 10:17
